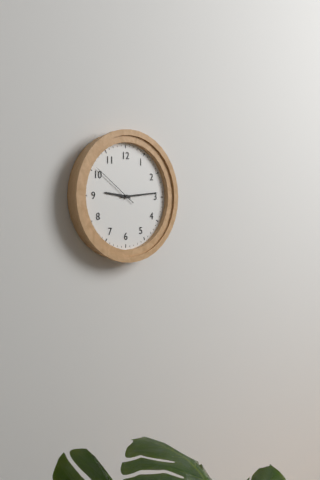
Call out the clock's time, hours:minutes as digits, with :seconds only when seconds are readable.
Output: 9:14:51
